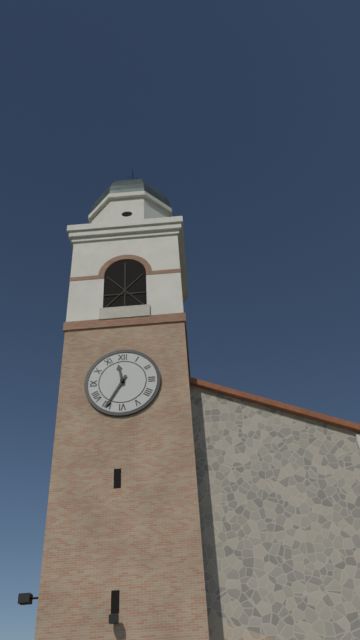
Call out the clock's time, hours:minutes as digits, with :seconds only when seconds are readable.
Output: 11:35
